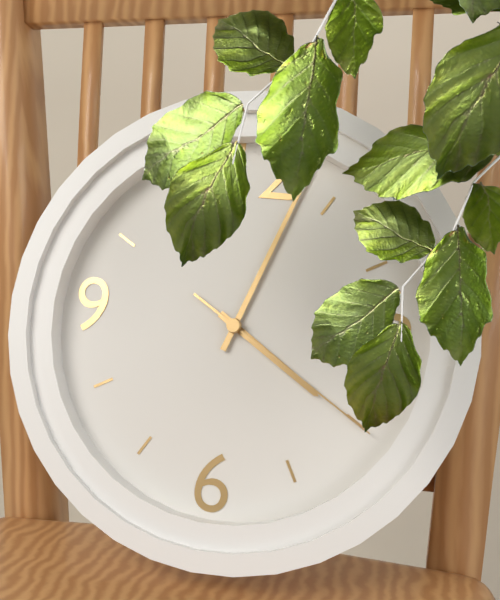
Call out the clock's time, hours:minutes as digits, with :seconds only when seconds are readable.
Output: 4:03:20
